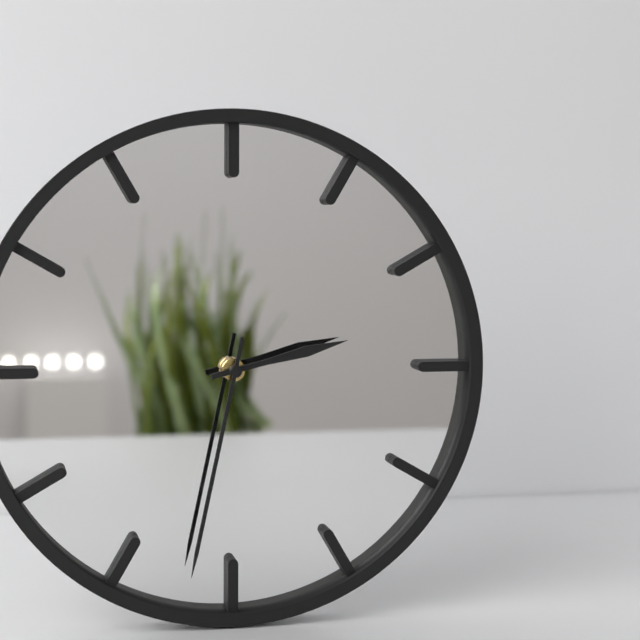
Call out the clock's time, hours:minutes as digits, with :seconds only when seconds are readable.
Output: 2:32
